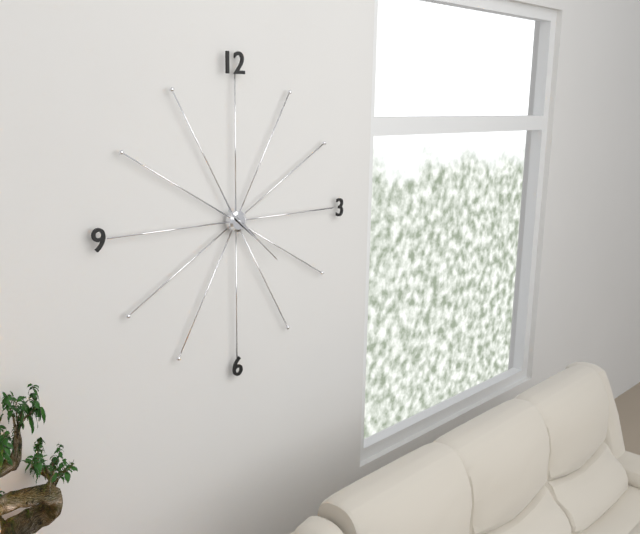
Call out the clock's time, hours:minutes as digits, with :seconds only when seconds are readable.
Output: 4:22
